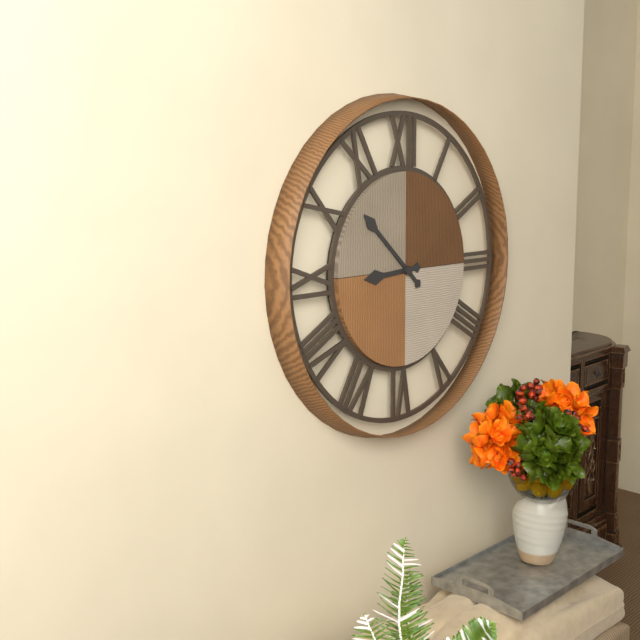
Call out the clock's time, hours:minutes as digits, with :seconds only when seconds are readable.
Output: 8:52
